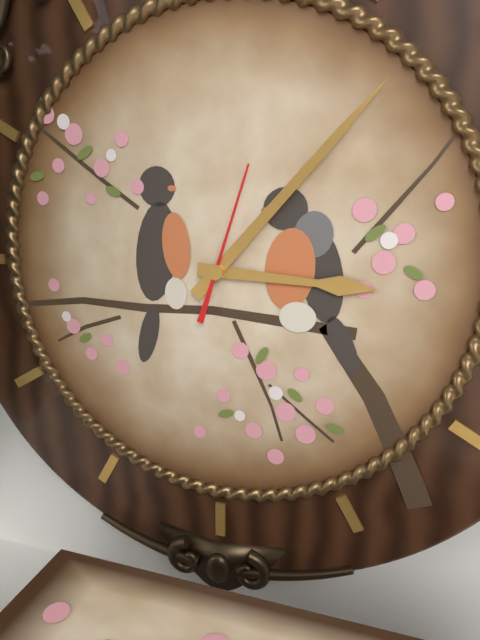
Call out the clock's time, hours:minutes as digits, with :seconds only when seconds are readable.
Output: 3:07:03
